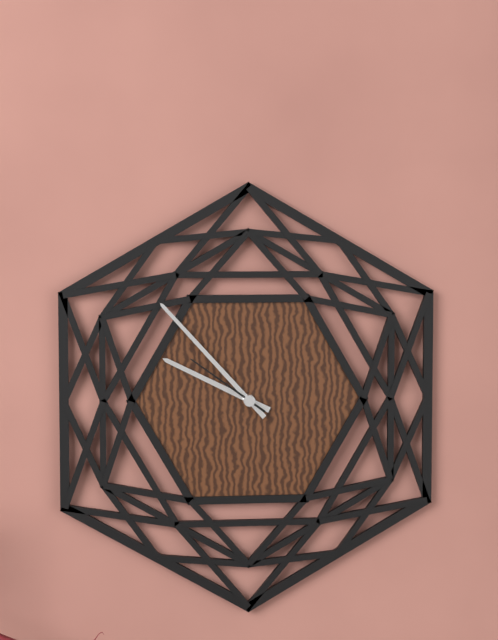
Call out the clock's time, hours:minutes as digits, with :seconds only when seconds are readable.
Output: 9:53:51
